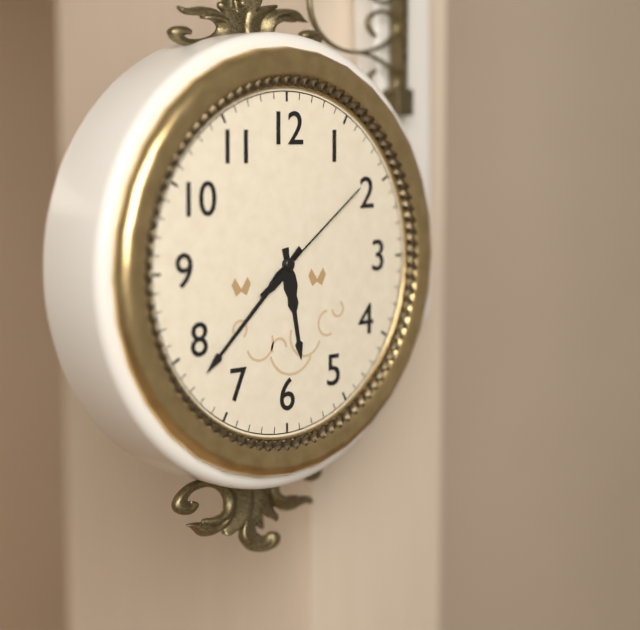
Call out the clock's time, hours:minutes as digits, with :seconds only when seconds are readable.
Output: 5:38:09
